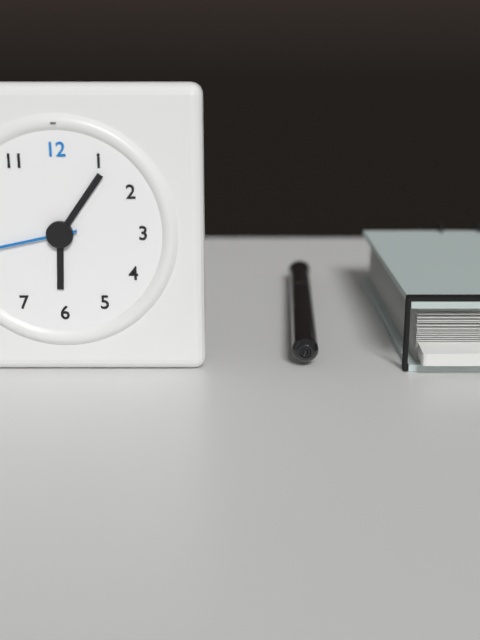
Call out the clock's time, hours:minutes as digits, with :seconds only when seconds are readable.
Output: 6:06
